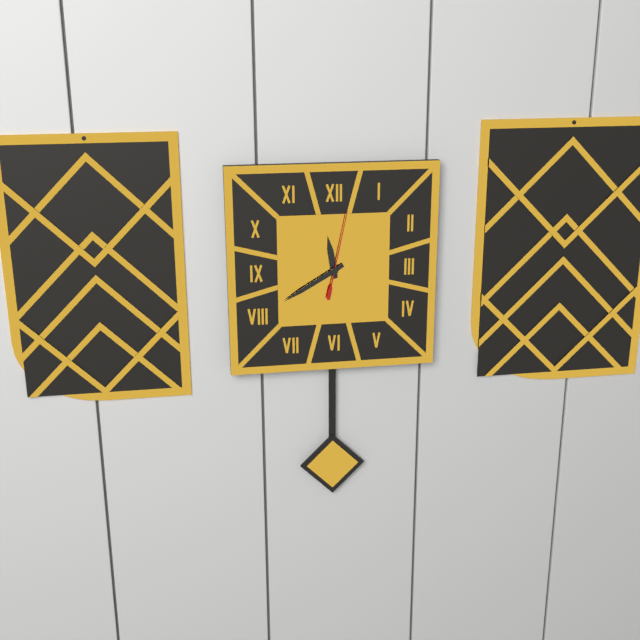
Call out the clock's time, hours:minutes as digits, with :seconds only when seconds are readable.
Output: 11:40:02
